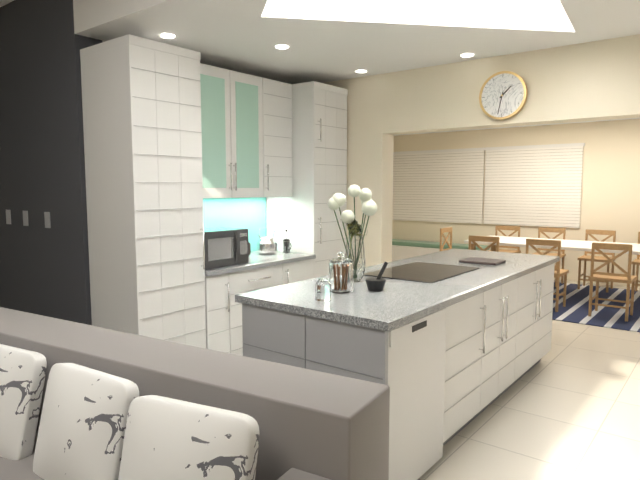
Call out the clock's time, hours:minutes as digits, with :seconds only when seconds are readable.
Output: 1:32
